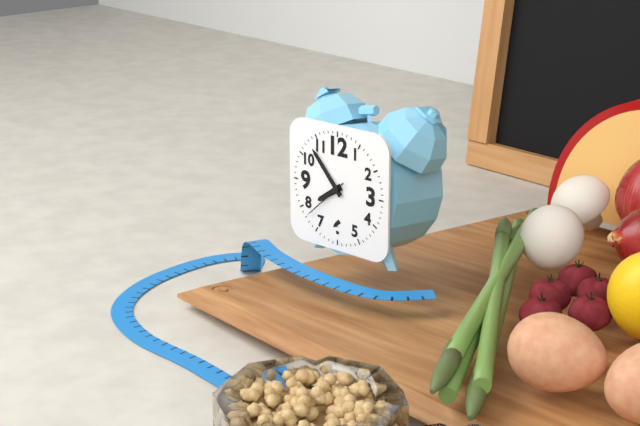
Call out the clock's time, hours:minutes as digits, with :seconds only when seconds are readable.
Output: 7:53
